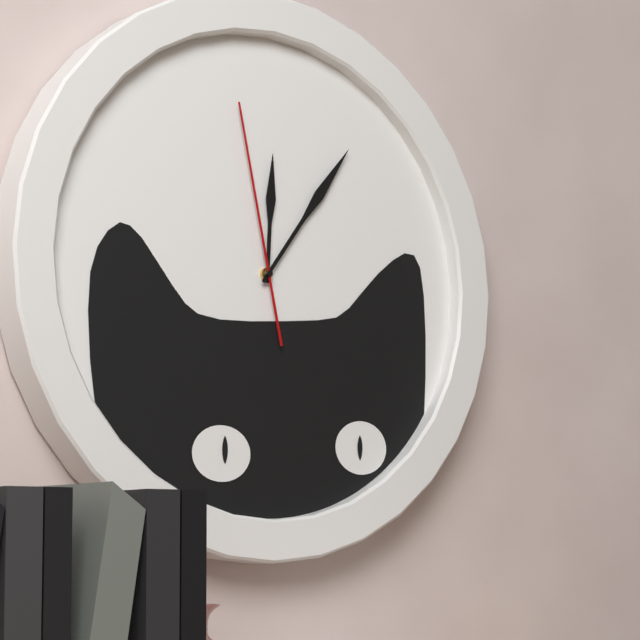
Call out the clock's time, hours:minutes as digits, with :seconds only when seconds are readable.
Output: 12:06:58
